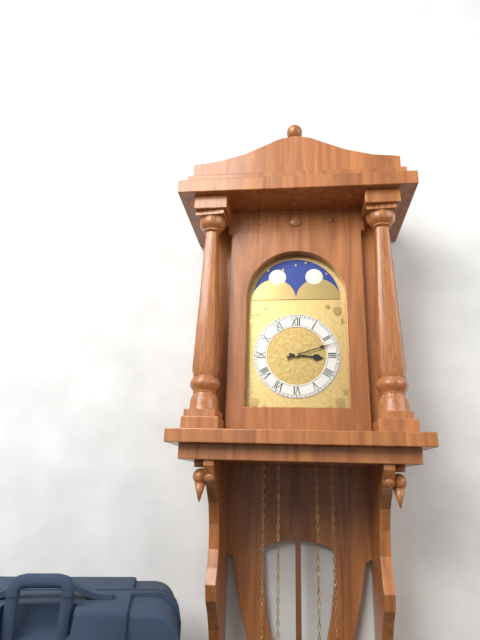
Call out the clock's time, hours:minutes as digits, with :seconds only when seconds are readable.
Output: 3:12
